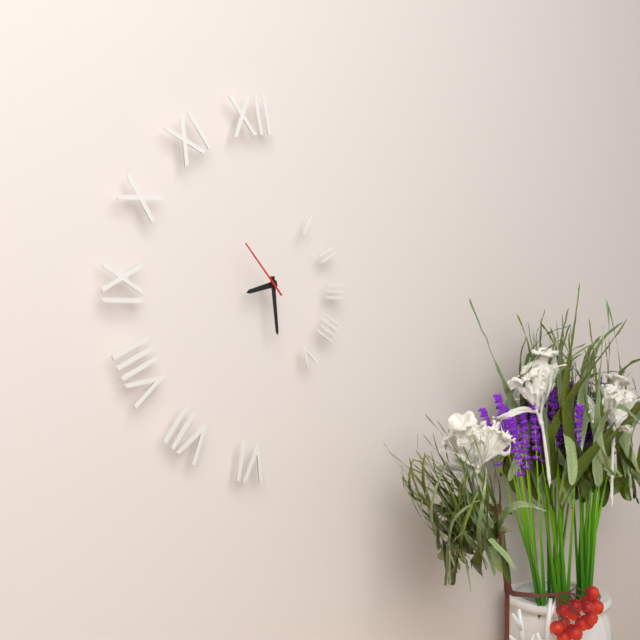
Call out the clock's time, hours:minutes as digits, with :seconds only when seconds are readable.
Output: 8:29:53
